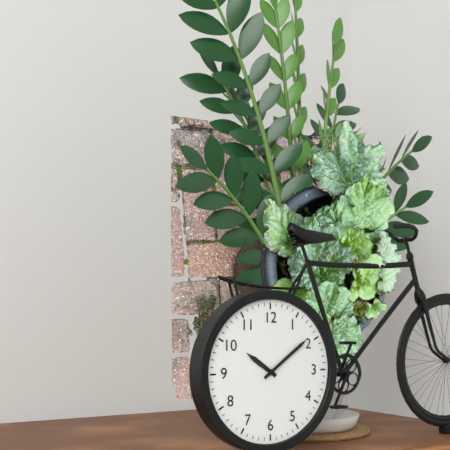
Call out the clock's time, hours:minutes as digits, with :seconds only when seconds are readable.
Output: 10:09
